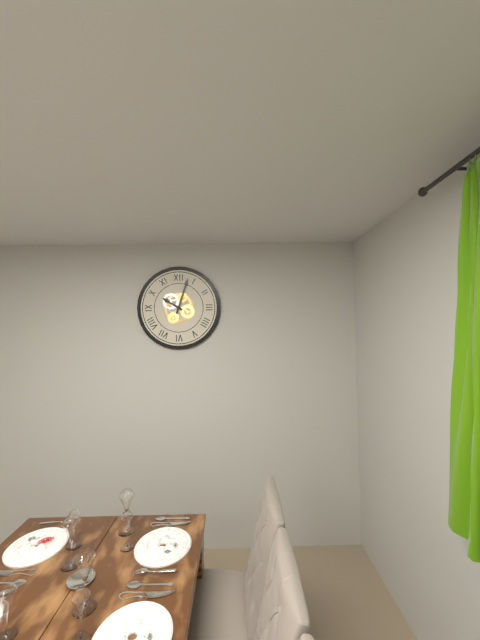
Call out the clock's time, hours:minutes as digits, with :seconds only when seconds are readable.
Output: 10:03
